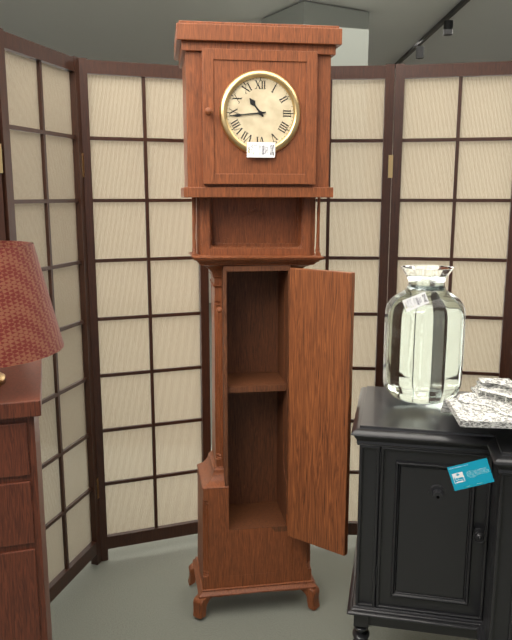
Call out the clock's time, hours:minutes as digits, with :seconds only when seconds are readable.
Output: 10:44
